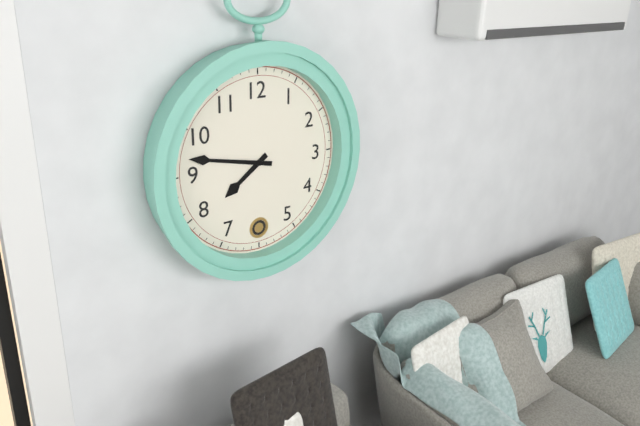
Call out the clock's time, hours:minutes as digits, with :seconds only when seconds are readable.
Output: 7:47
